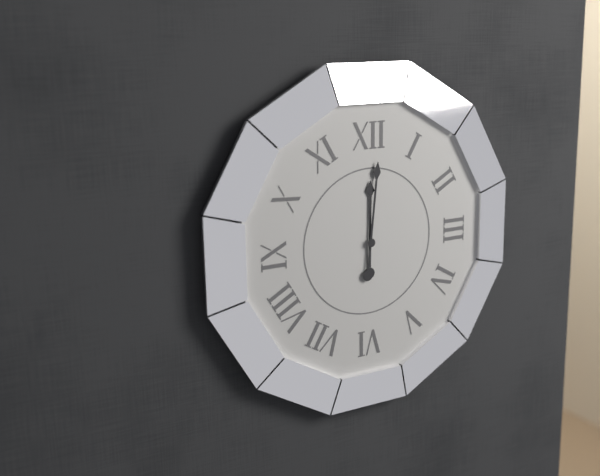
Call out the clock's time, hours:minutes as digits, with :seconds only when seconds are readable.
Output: 12:01
